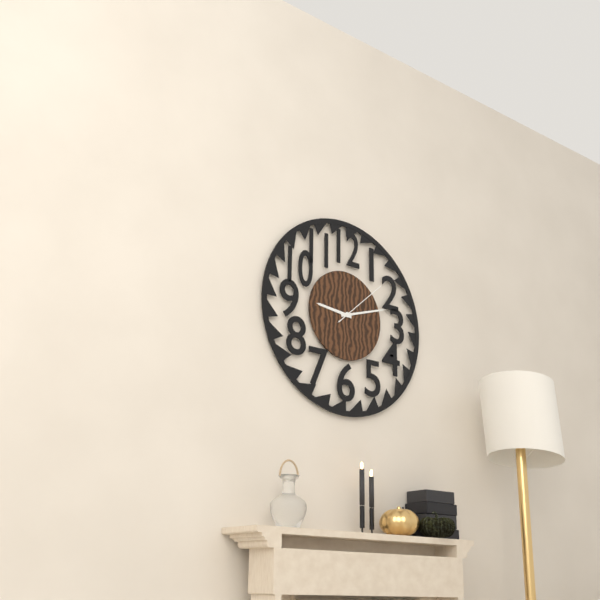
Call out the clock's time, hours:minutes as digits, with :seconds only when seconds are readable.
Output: 9:12:08
